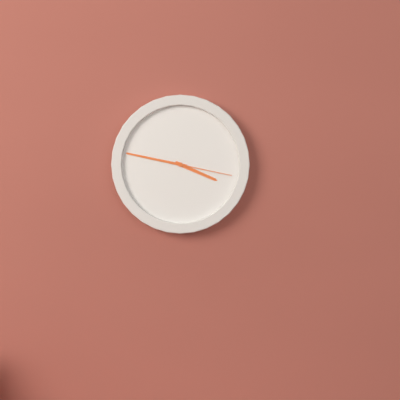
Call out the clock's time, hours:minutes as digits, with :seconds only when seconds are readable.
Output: 3:47:17
